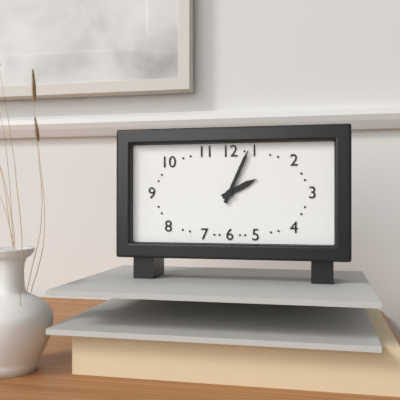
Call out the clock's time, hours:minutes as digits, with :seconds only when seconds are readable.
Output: 2:04
